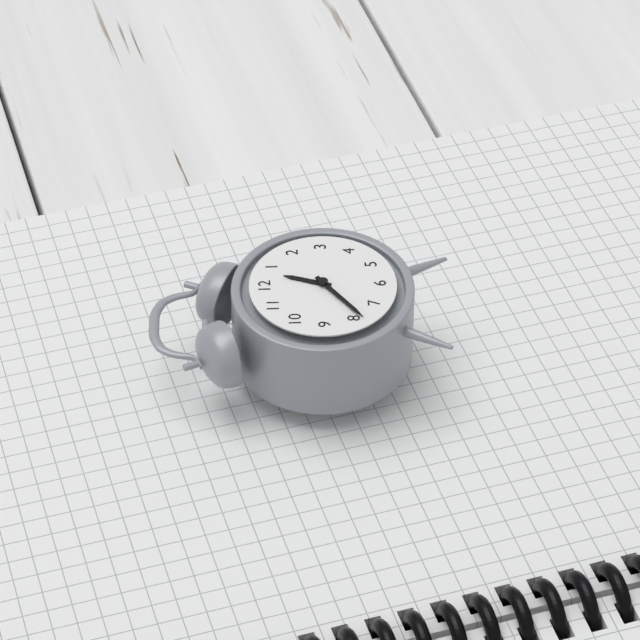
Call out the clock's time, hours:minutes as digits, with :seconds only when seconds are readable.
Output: 12:39
